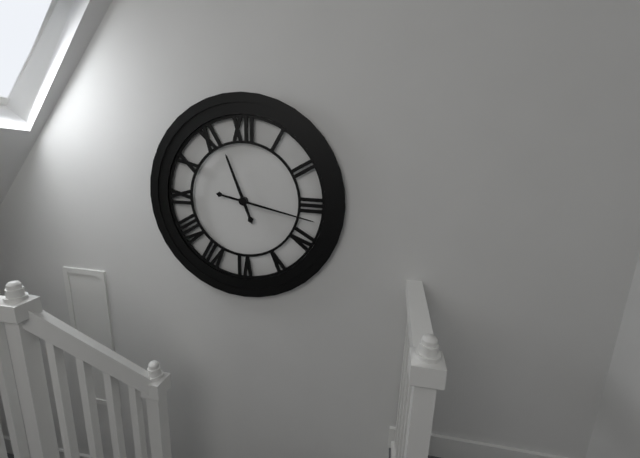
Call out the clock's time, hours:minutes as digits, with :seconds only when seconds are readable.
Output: 11:17
